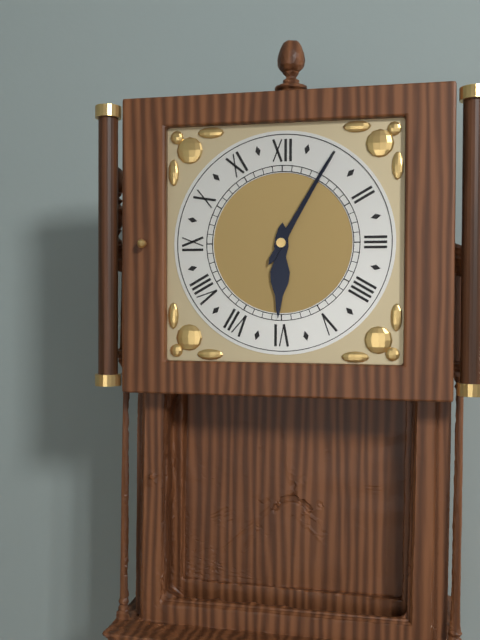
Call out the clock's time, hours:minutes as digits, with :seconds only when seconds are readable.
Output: 6:05
